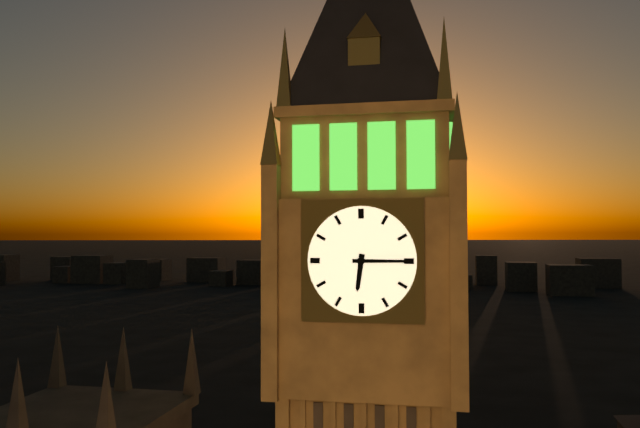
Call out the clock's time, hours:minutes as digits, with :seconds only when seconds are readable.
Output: 6:15
